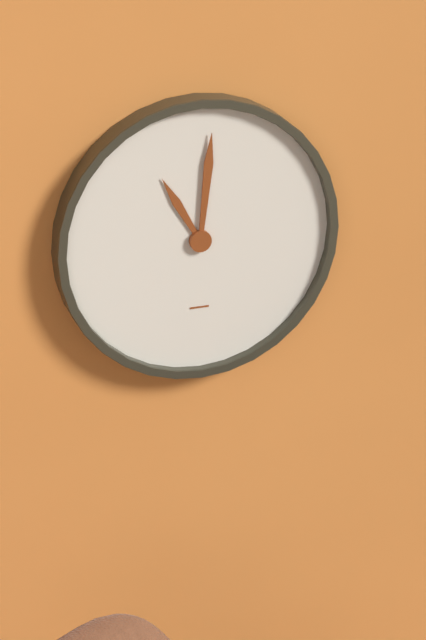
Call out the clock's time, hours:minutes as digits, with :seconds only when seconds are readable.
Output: 11:01
